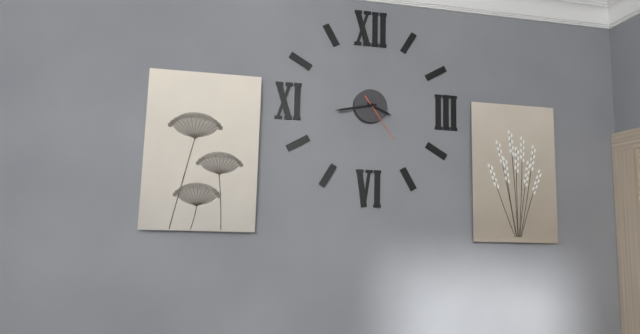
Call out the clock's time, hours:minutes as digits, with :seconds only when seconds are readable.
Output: 3:43:24
